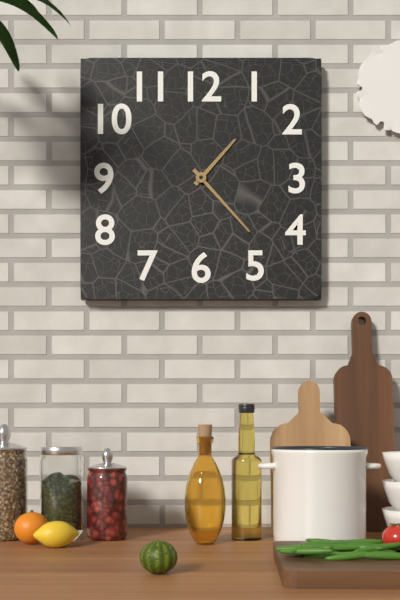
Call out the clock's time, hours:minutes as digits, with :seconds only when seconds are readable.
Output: 1:23
